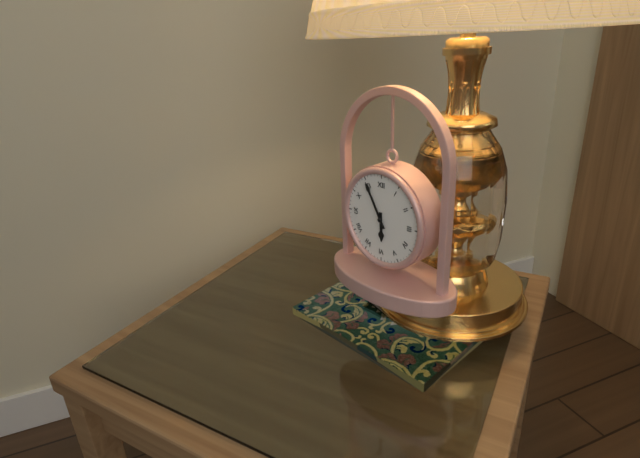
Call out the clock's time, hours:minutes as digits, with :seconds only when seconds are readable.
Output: 5:55
